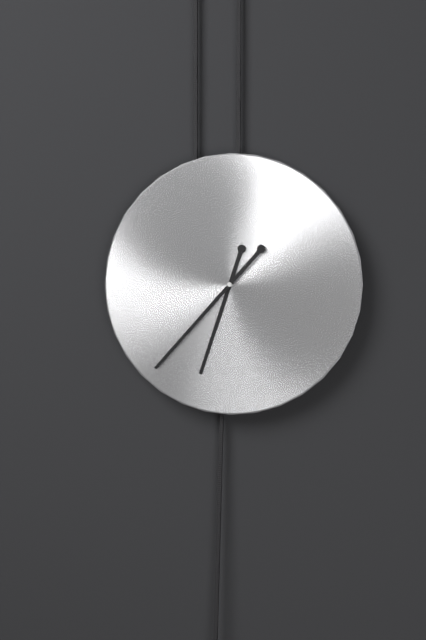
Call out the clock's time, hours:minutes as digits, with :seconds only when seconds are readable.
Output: 6:37
